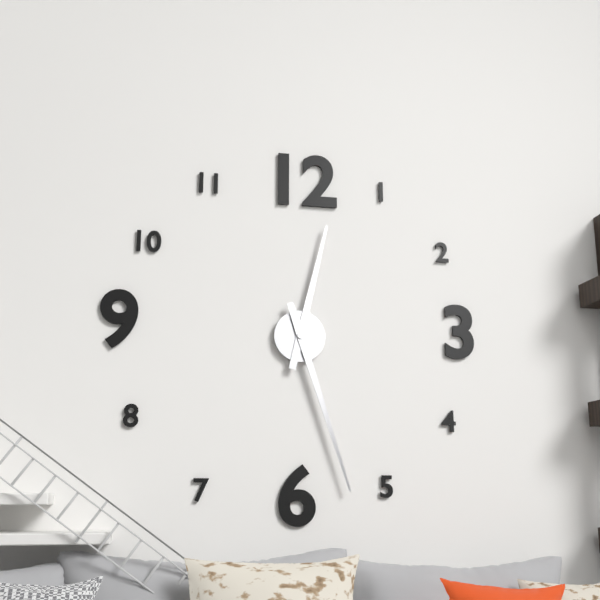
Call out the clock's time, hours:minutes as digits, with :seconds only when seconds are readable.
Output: 12:27
